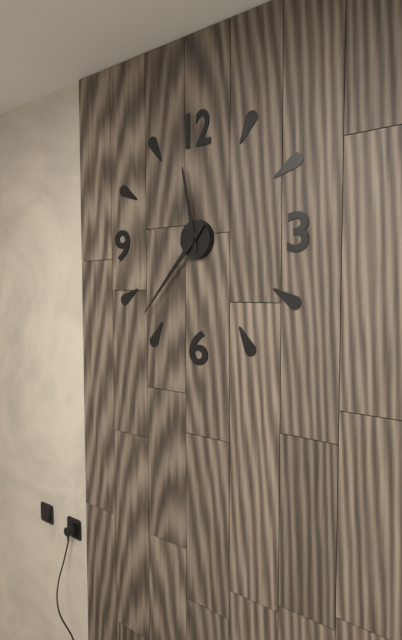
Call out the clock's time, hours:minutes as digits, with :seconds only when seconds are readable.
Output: 11:37
